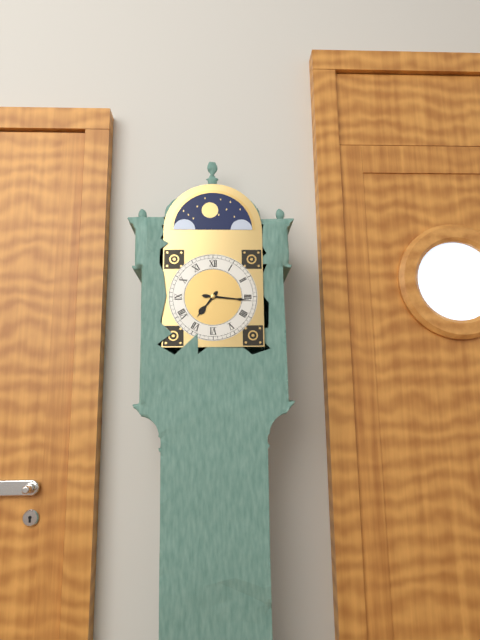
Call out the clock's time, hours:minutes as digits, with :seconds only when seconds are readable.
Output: 7:16
